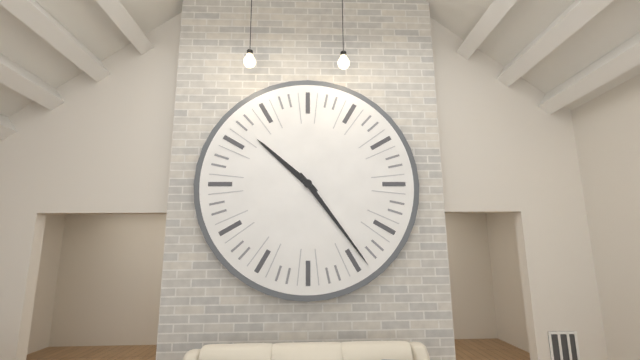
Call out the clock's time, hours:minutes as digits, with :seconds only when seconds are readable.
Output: 10:24
